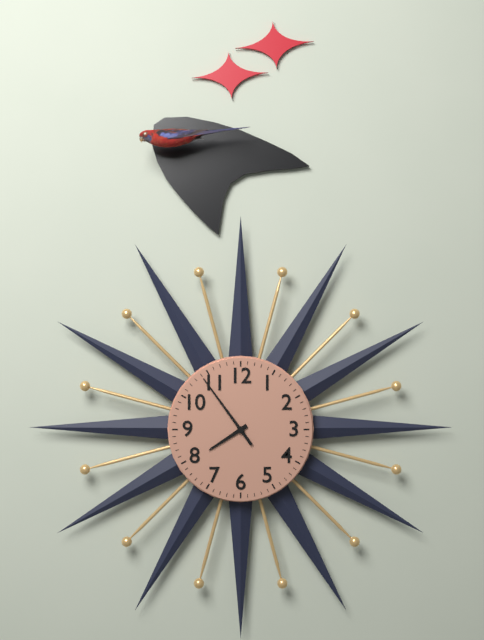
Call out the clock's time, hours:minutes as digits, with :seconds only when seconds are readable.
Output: 7:54
